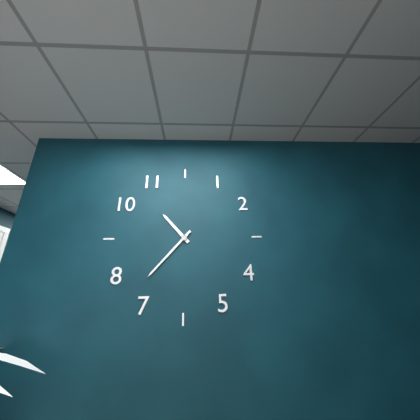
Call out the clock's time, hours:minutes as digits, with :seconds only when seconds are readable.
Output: 10:37
